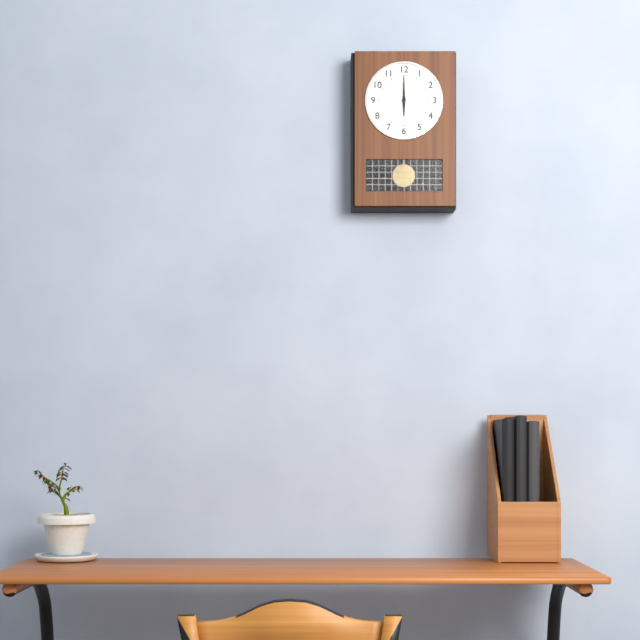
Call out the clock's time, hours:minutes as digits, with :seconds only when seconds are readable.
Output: 6:00
